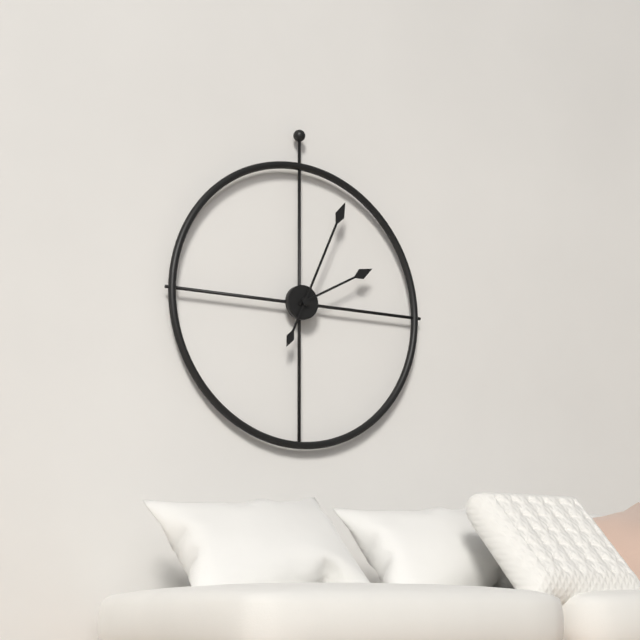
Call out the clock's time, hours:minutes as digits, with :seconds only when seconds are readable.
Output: 2:04
